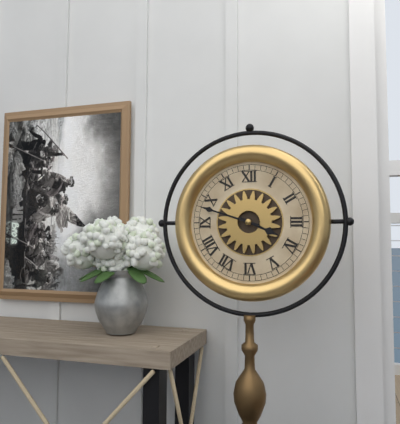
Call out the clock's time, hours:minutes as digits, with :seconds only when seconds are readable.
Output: 3:48
